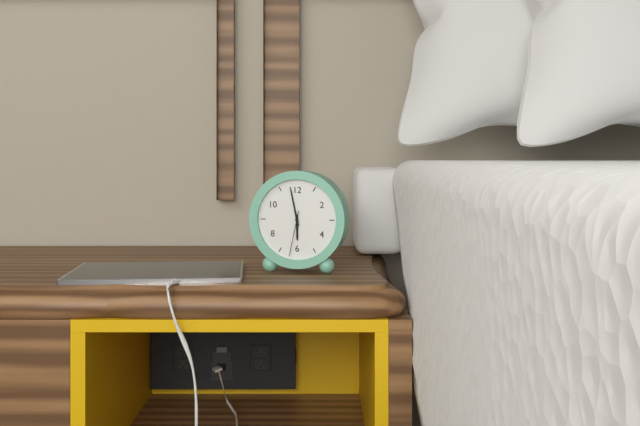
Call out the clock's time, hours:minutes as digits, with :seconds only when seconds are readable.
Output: 5:58
